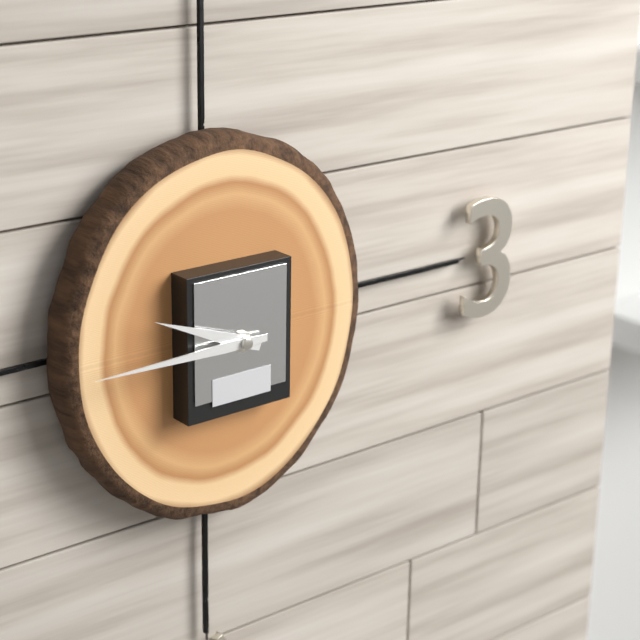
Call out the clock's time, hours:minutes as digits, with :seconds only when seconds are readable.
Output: 9:45
